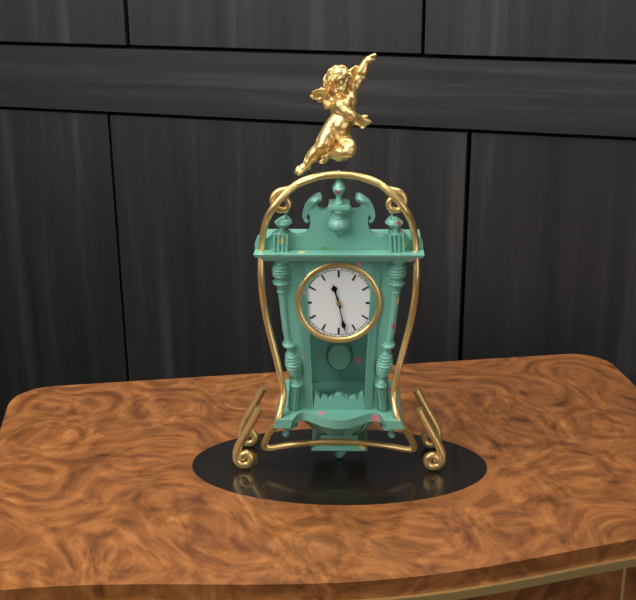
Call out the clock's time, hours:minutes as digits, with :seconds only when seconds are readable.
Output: 11:28
